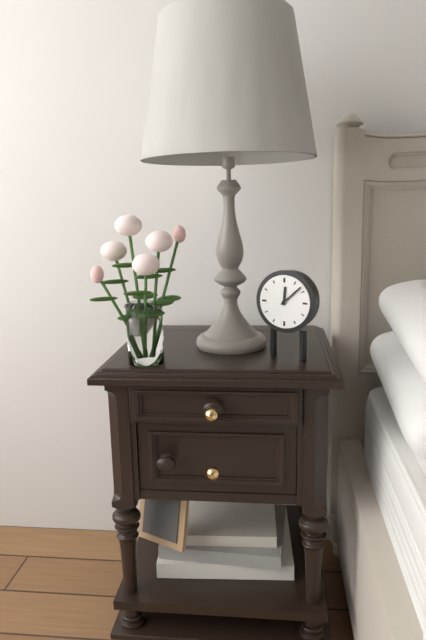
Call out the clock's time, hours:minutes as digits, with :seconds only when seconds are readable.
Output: 12:08
